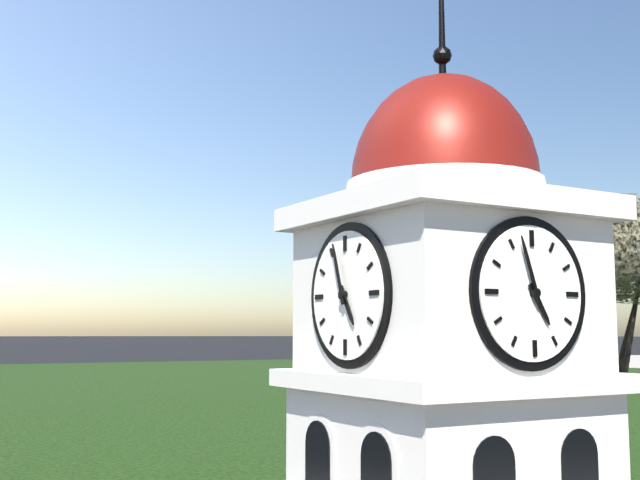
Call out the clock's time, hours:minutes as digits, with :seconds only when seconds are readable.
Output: 4:57
